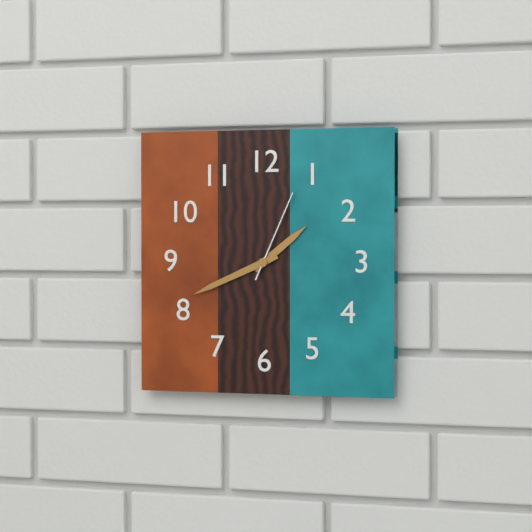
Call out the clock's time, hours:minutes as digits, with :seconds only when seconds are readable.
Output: 1:41:04
